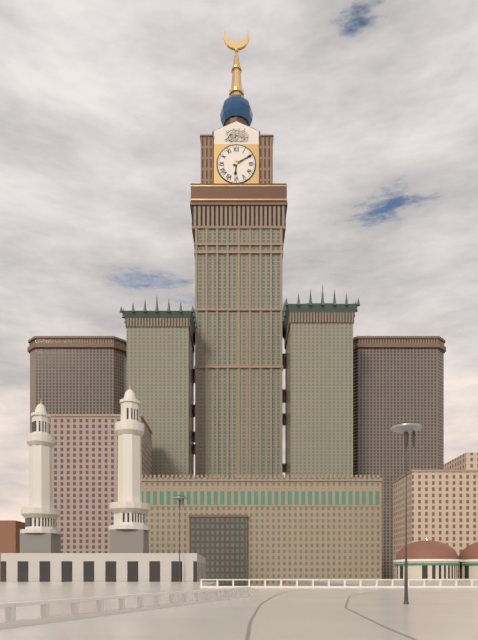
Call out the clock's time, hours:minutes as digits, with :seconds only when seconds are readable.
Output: 6:10
